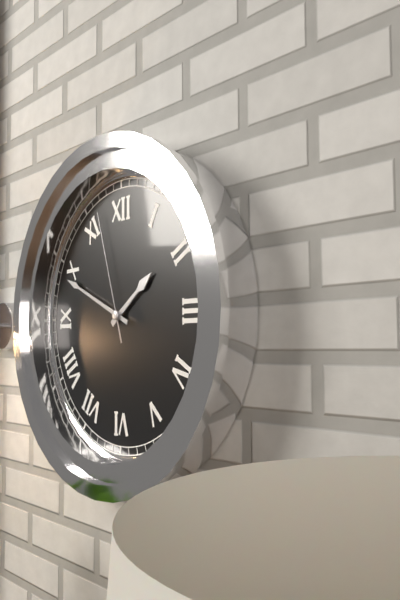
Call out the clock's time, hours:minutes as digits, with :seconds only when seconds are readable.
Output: 1:49:57
